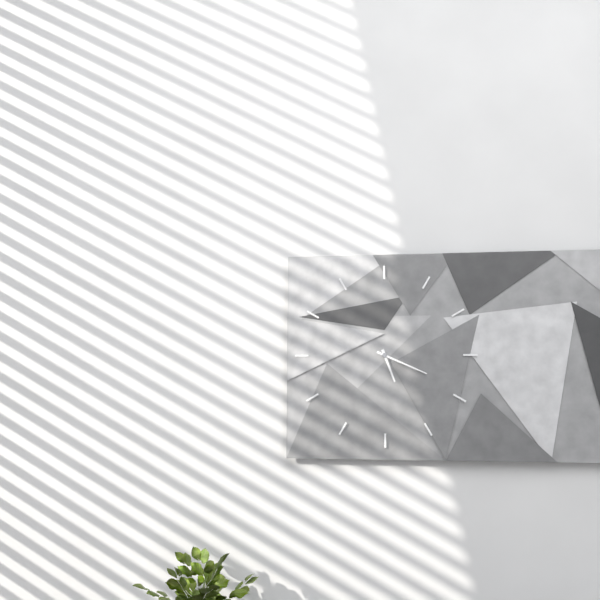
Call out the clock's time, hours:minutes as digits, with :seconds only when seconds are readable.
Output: 5:19
